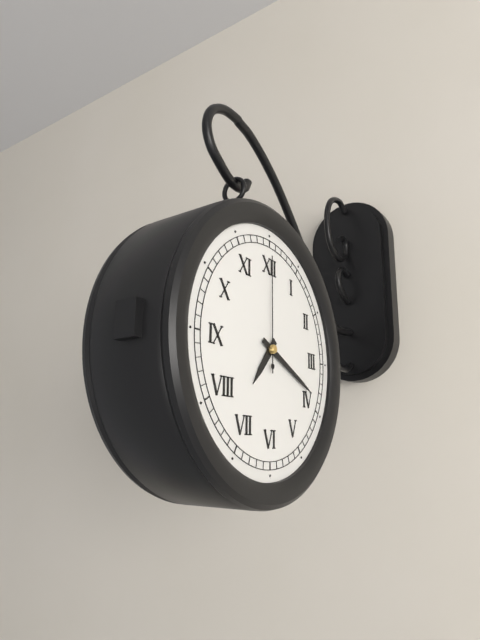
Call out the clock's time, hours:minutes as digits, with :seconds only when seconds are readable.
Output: 7:19:00
